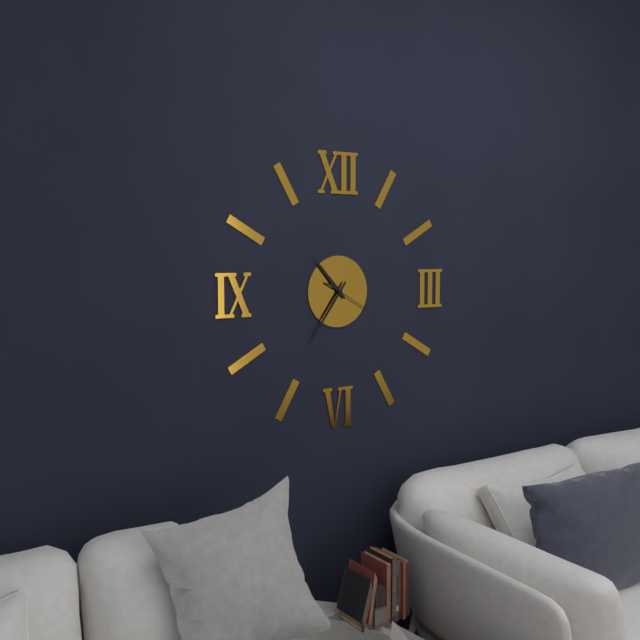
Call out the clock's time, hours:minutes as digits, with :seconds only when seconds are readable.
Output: 10:36:20
